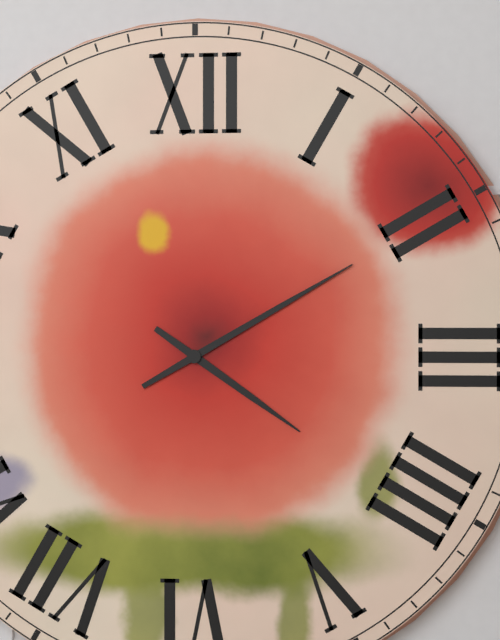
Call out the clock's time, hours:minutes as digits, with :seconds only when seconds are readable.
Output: 4:10
